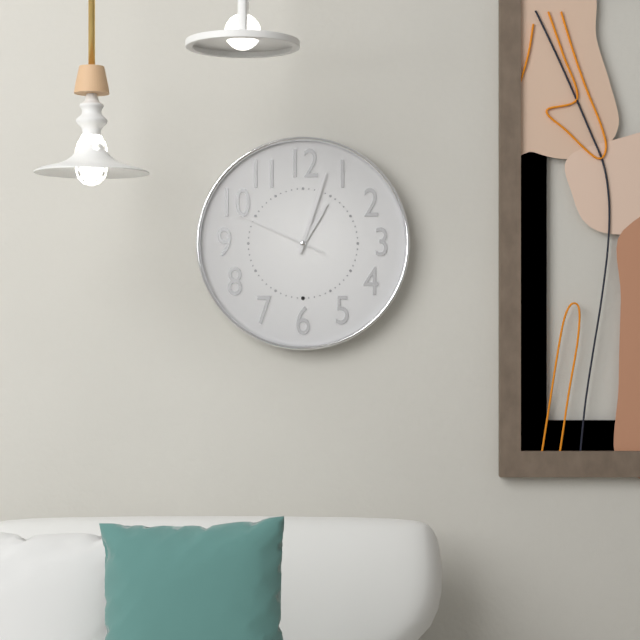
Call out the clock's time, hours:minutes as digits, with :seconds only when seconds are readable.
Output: 1:03:49
